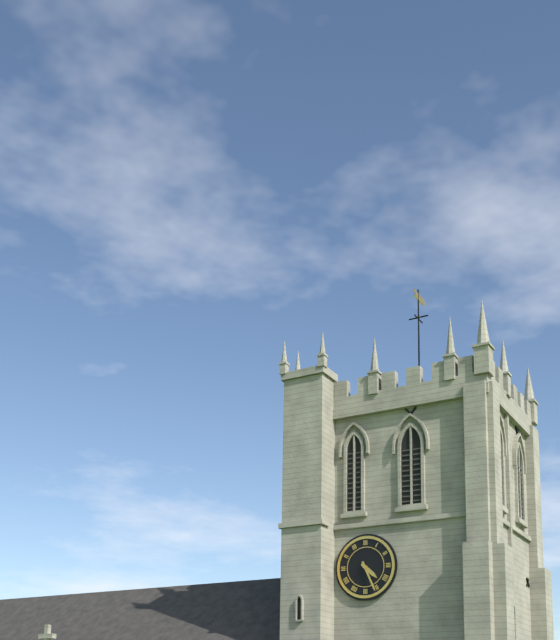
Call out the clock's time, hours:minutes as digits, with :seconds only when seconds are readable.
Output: 4:26
